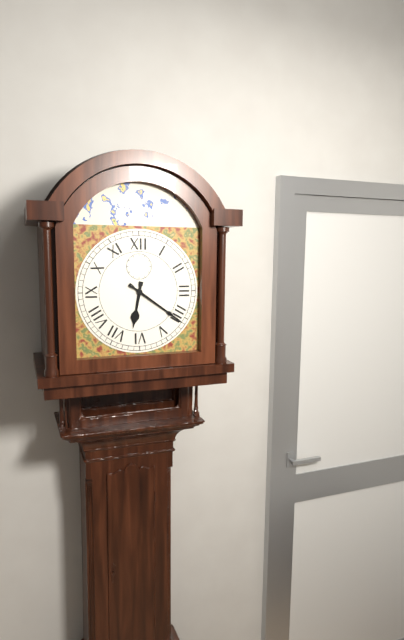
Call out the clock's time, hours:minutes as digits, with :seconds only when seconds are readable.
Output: 6:21
